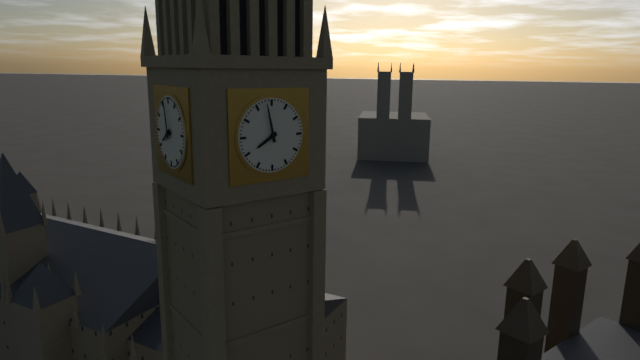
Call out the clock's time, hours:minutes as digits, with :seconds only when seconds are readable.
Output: 7:58
